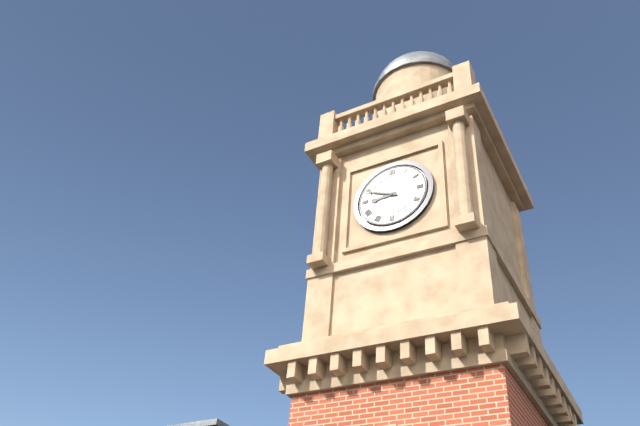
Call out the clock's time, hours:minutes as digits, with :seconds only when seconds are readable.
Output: 8:49
